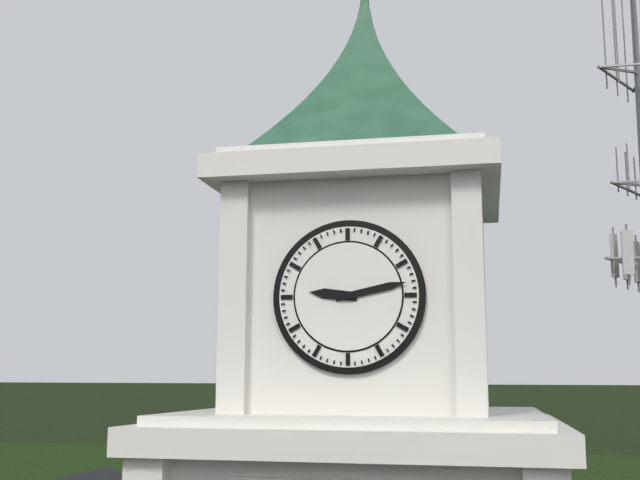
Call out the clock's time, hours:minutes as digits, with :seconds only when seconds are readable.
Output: 9:13
